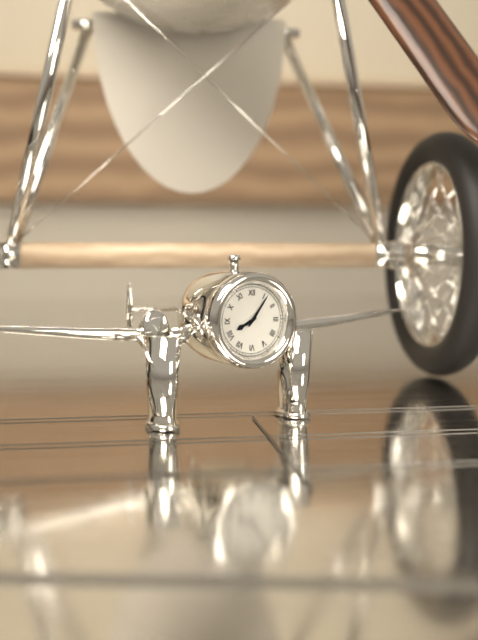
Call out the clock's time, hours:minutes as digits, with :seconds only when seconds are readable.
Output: 8:06
